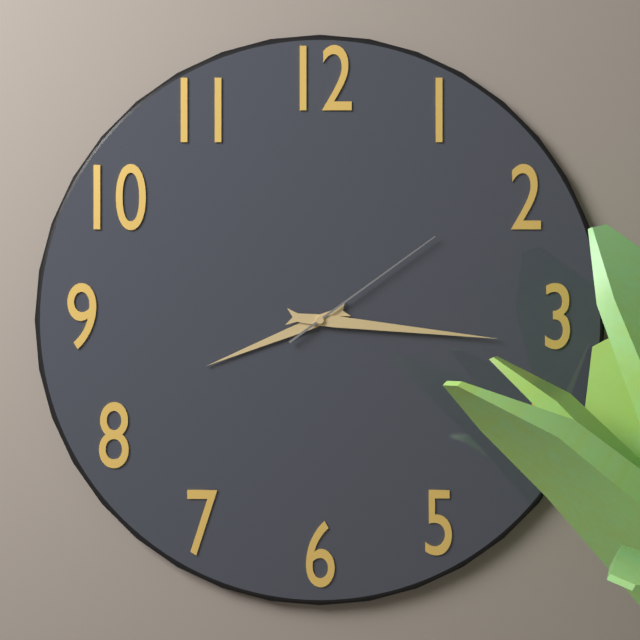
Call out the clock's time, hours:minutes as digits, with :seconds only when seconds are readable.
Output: 8:16:09
